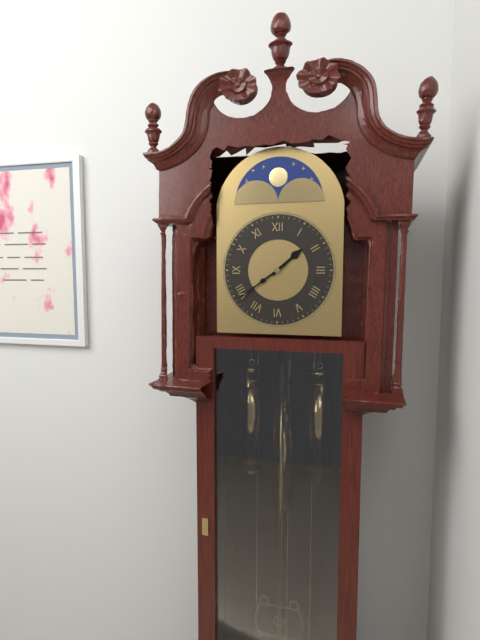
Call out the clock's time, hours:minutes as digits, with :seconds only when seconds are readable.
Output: 1:39
